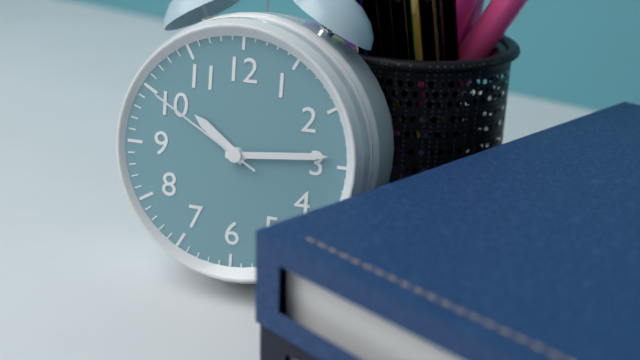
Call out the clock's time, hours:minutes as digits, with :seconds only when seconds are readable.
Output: 10:14:50
